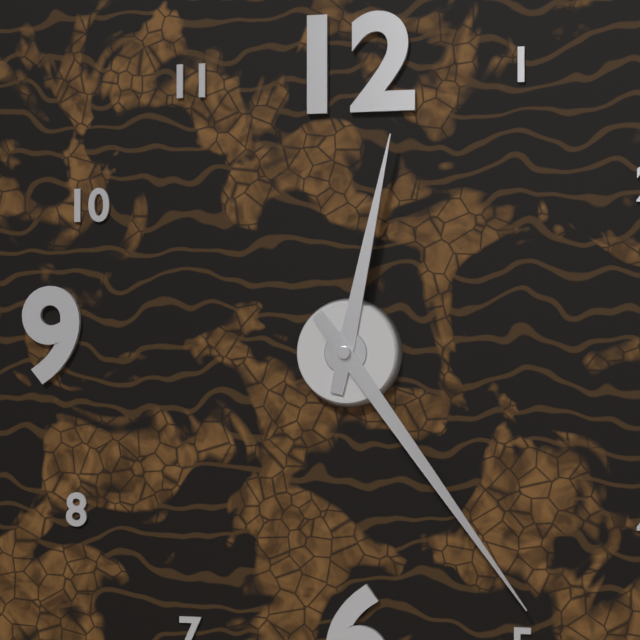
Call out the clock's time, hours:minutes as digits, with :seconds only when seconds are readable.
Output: 12:24
